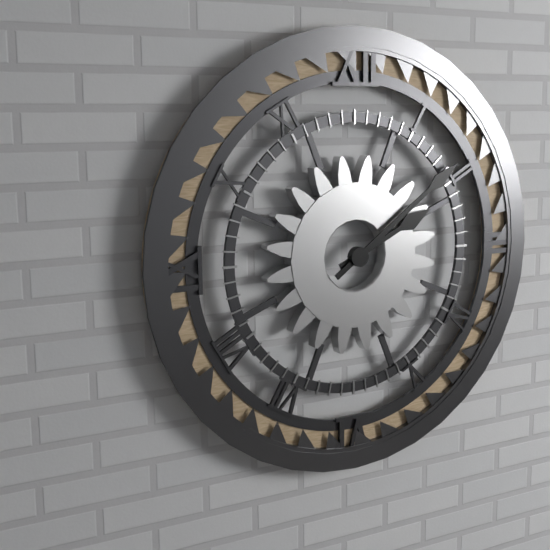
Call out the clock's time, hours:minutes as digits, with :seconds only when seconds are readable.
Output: 2:09
